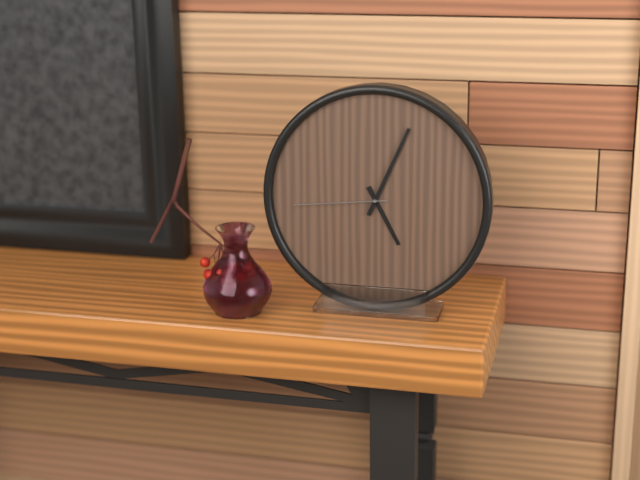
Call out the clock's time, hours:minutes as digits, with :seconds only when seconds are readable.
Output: 5:04:44
